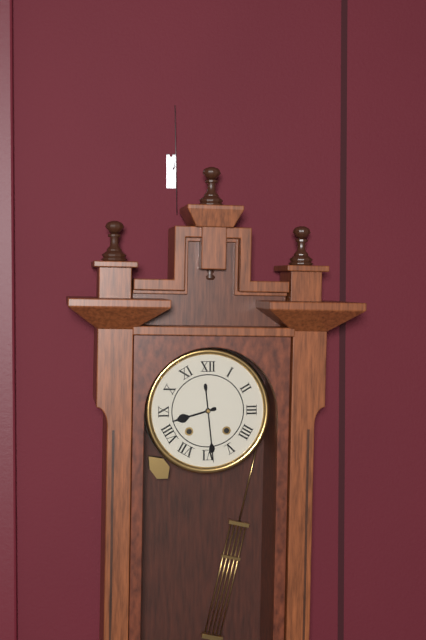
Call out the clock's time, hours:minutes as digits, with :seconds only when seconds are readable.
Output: 8:29
